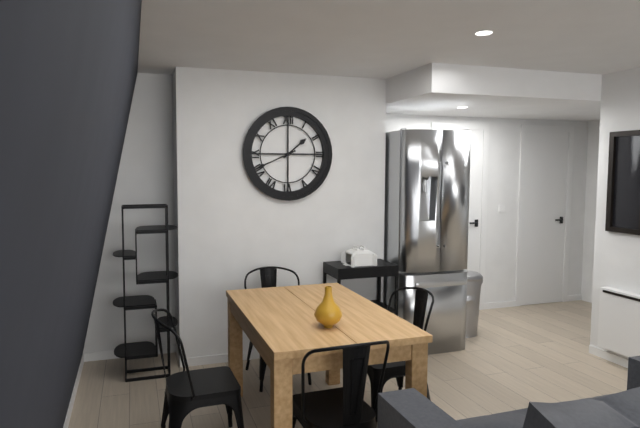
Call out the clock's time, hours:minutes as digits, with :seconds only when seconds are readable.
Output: 1:41
